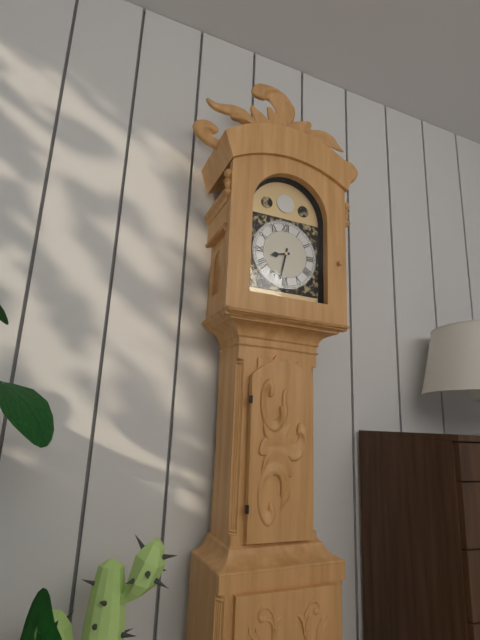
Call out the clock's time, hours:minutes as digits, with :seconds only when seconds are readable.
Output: 8:32
